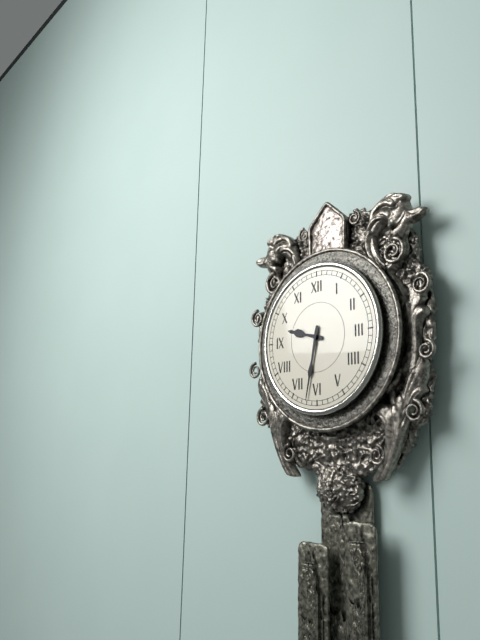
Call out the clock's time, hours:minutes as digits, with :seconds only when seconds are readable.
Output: 9:32
